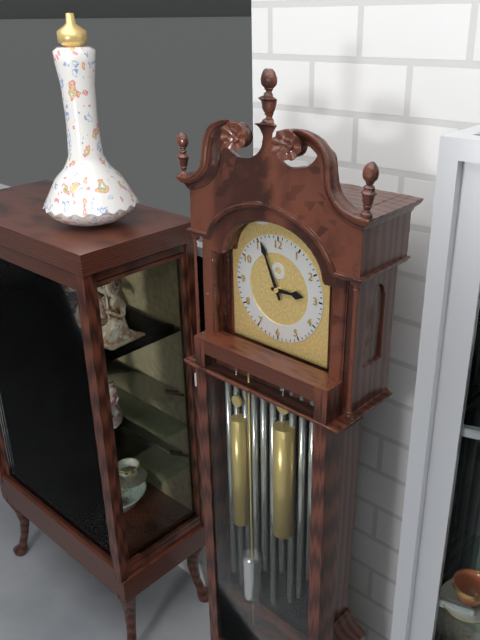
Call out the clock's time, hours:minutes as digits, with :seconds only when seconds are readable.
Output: 2:56
